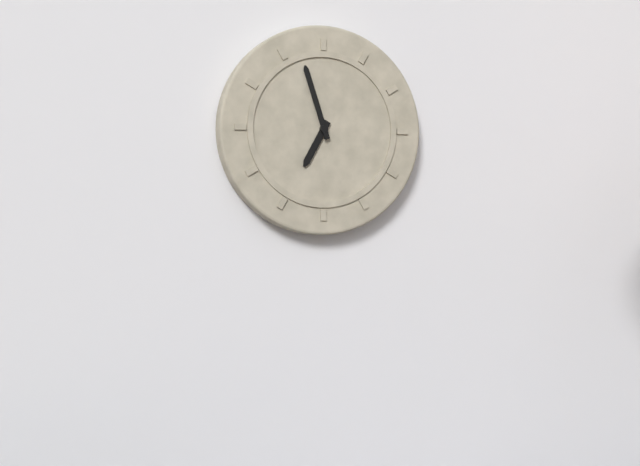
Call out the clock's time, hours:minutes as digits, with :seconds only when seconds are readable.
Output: 6:57
